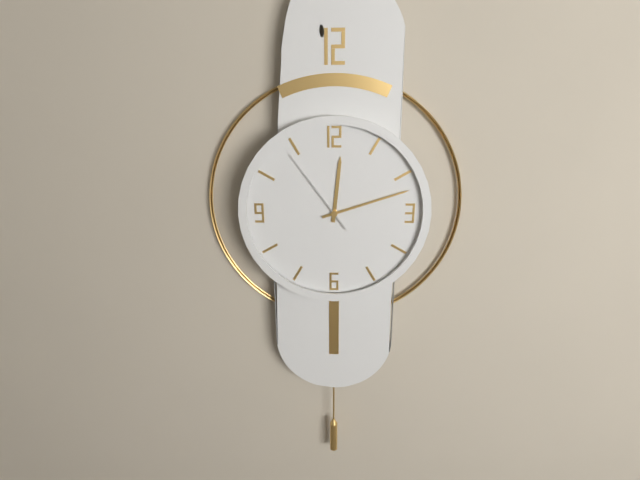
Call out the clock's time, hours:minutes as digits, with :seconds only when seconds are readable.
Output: 12:12:54
